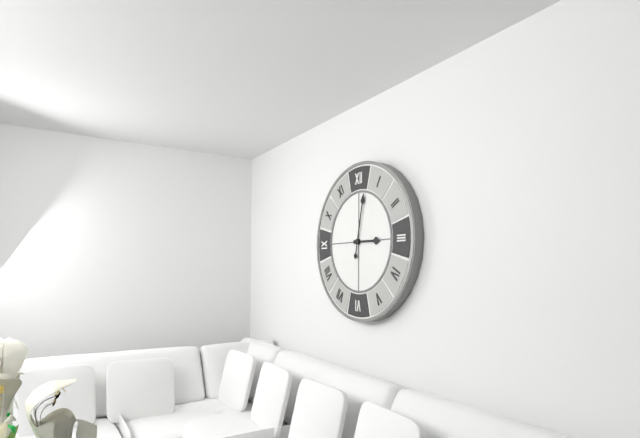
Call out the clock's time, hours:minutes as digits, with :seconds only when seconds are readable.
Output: 3:02
